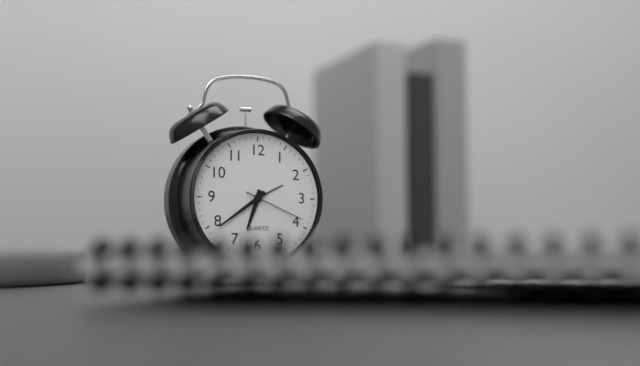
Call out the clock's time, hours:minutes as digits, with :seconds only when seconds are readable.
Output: 6:39:19
